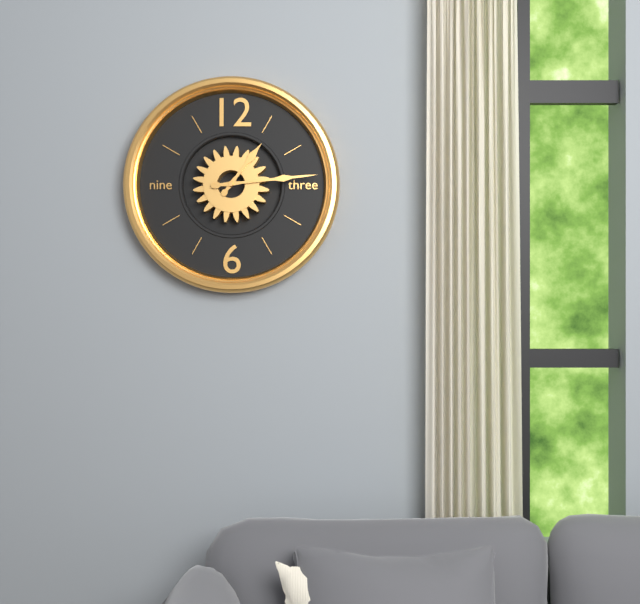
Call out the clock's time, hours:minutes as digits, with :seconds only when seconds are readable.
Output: 1:14
